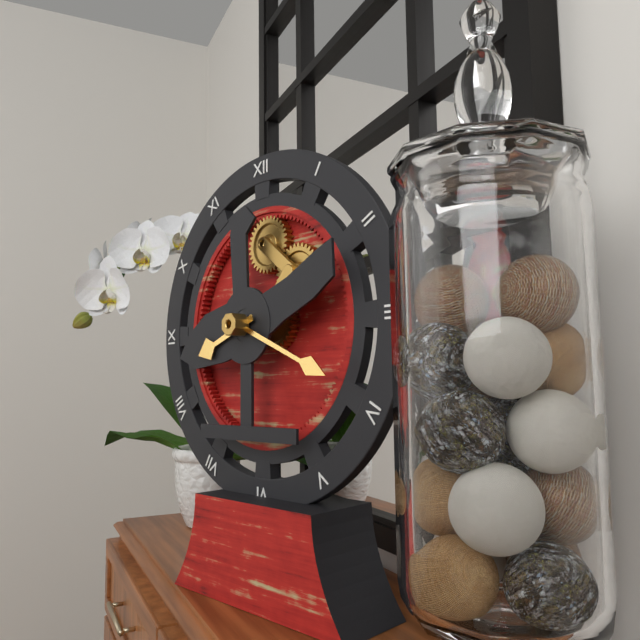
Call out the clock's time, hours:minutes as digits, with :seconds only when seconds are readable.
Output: 8:19
